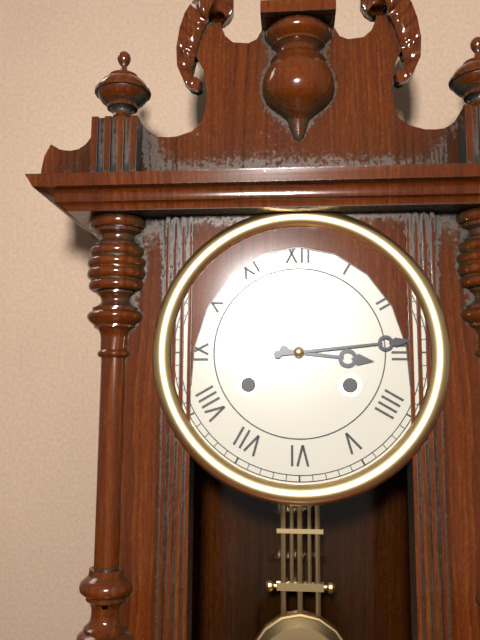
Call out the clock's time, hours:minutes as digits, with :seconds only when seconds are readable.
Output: 3:14
